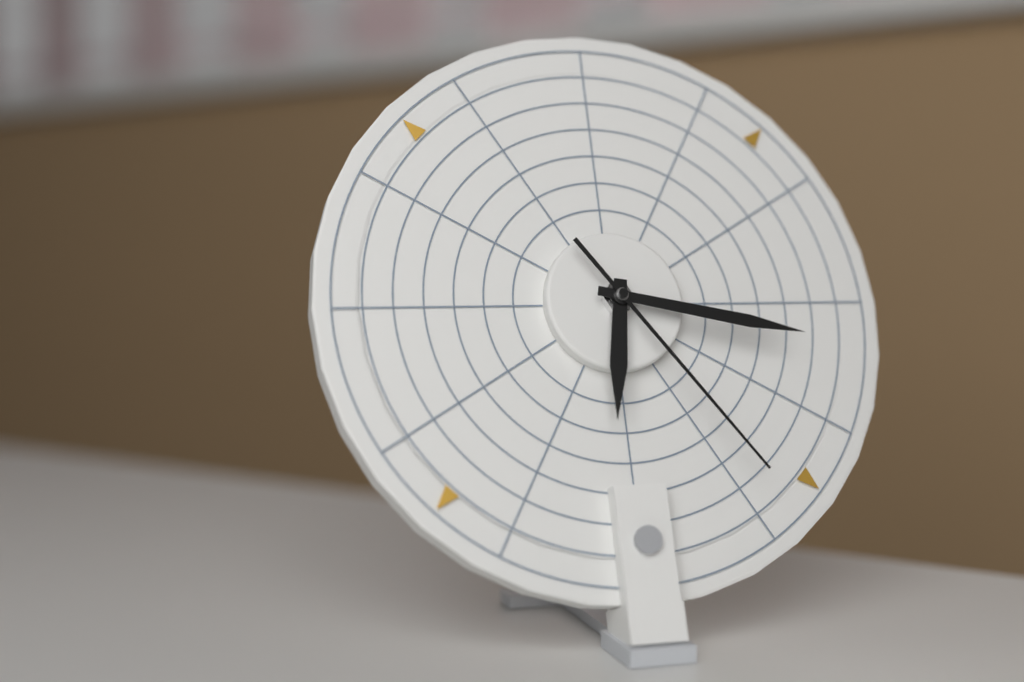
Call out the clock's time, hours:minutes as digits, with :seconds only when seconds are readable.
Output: 6:17:24
